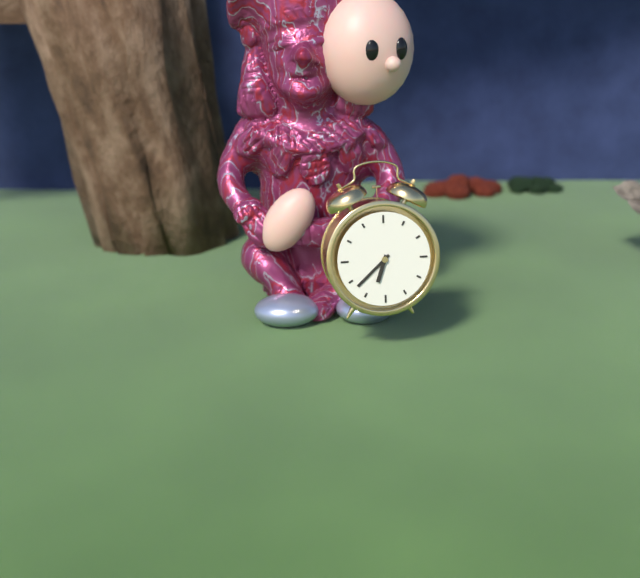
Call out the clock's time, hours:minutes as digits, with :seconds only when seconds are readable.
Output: 6:38
